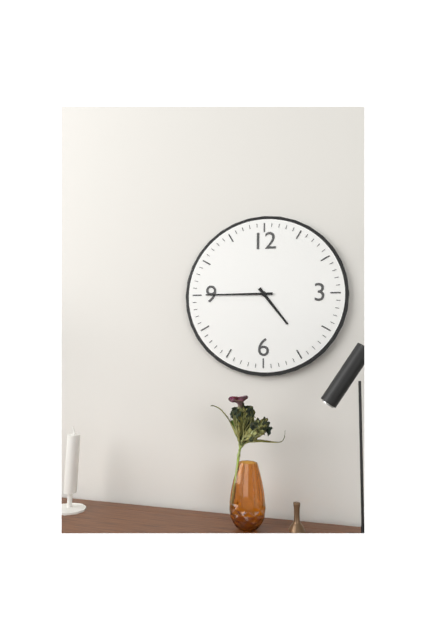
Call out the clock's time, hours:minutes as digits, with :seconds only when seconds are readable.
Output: 4:45
